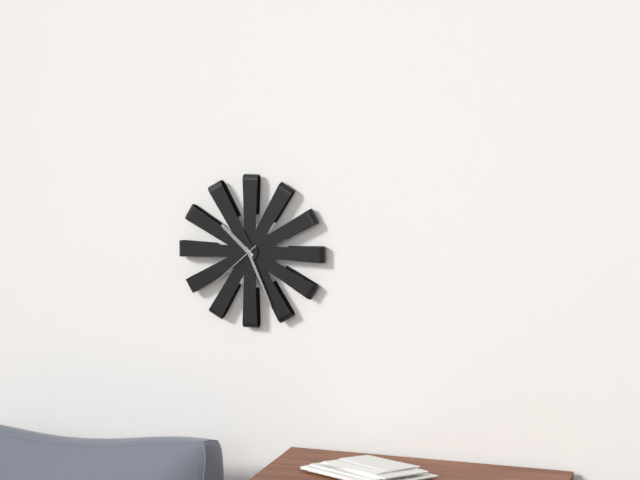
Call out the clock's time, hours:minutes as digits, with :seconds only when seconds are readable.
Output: 10:26:38
